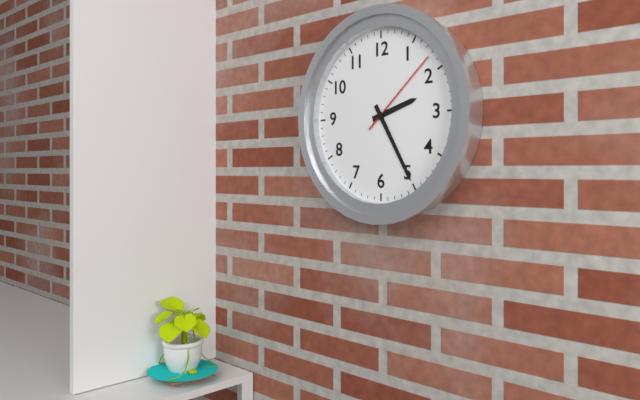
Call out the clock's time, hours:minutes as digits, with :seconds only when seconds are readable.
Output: 2:25:08
